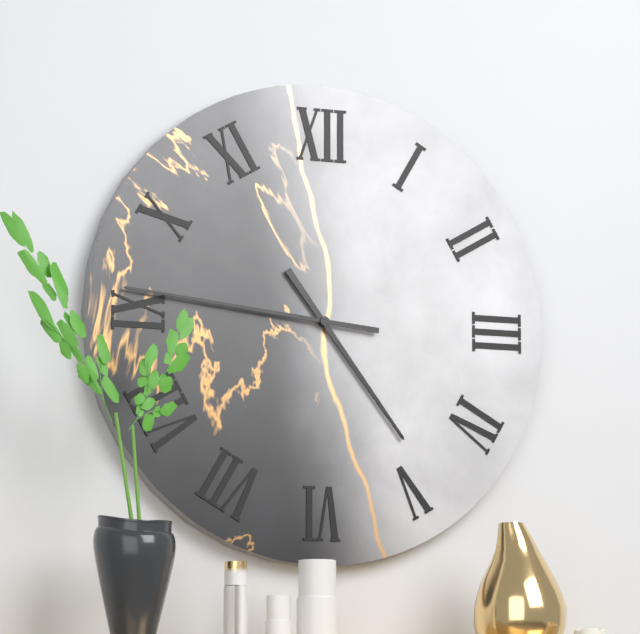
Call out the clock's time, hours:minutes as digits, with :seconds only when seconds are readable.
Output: 4:46
